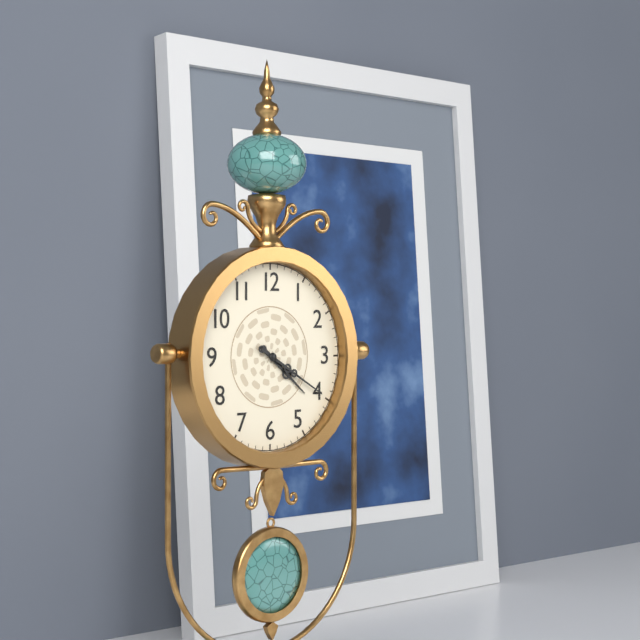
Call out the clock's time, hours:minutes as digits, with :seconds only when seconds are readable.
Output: 4:20
